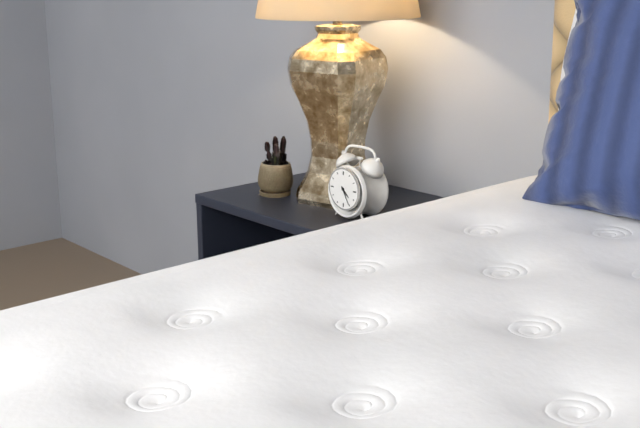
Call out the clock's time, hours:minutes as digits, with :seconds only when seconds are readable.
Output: 4:25
